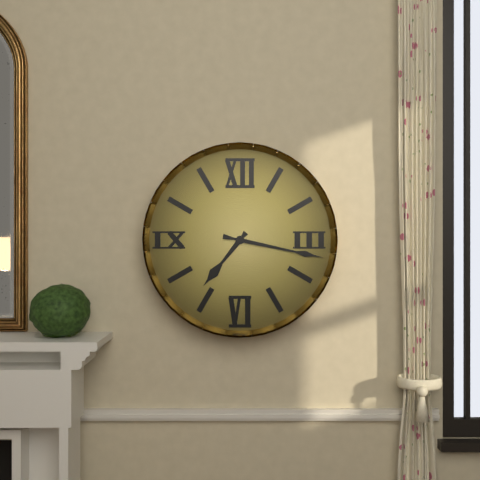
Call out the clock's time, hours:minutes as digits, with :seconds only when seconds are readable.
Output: 7:17
